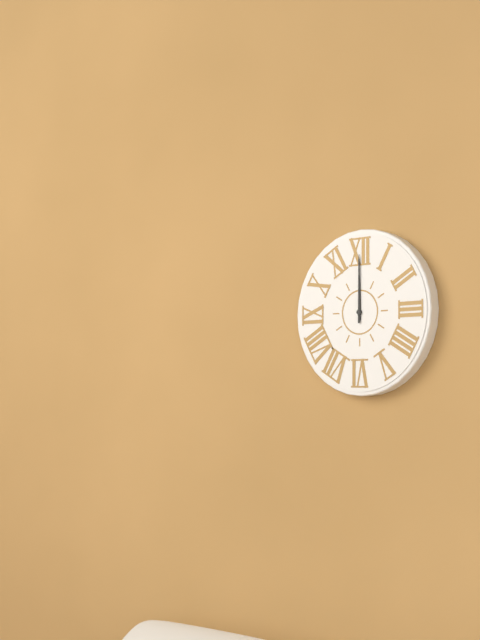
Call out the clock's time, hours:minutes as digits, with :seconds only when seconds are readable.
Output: 12:00
